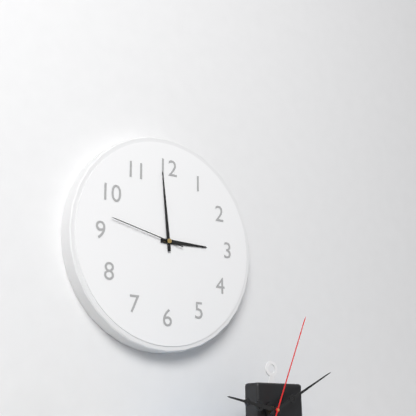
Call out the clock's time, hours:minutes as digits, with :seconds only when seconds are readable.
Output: 2:59:47
